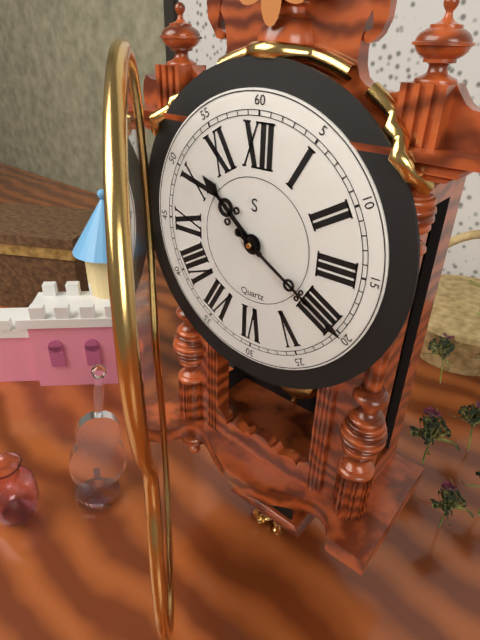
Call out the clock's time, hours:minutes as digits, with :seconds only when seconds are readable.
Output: 10:20
